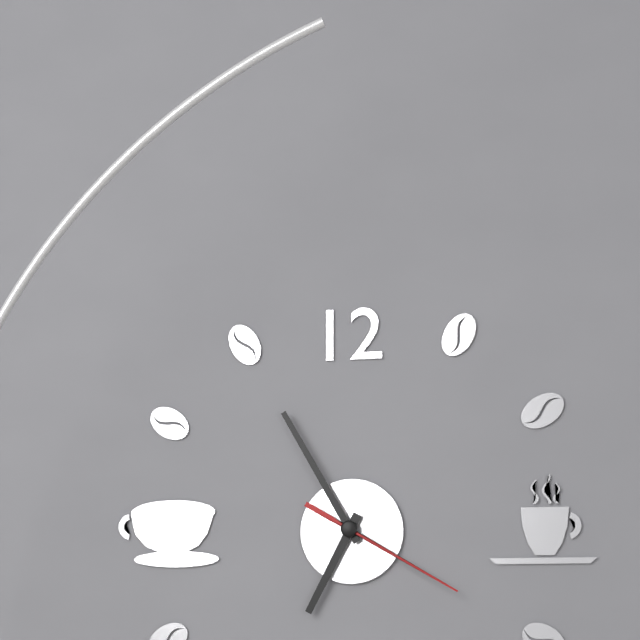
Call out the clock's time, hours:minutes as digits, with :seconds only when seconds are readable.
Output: 6:55:20
